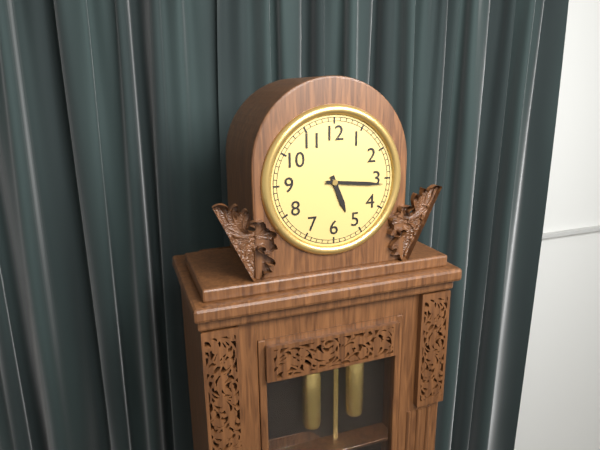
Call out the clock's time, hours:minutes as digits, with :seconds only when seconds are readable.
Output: 5:16
